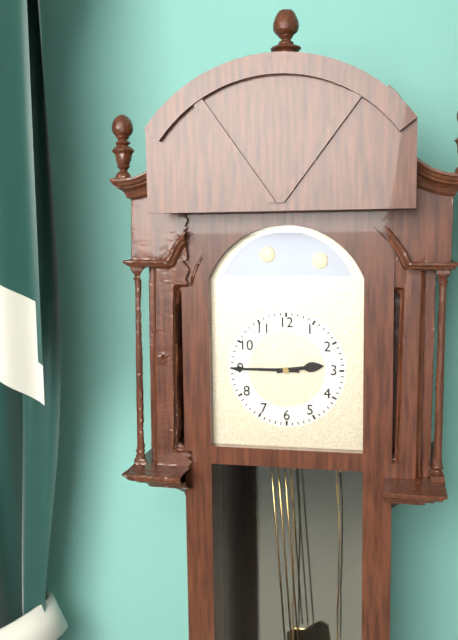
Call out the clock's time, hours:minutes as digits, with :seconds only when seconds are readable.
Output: 2:45
